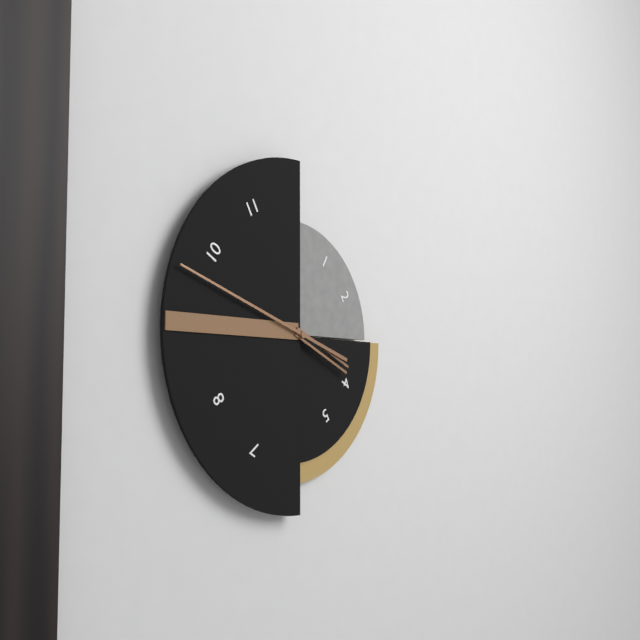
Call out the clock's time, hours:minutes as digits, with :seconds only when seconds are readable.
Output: 3:48
